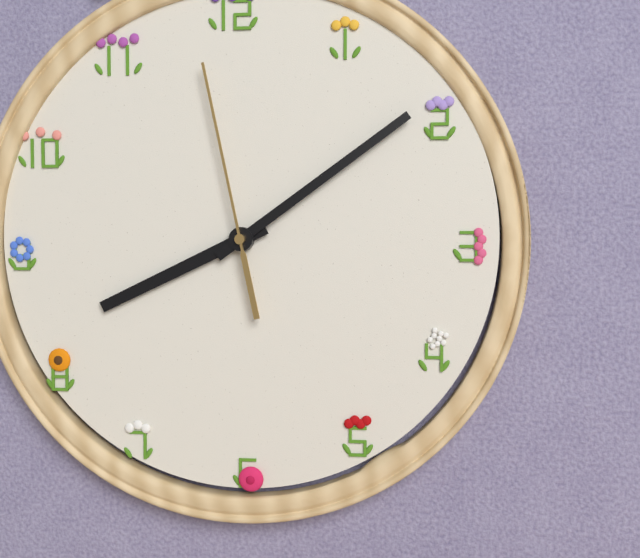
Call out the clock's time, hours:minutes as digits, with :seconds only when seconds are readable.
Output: 8:09:58
